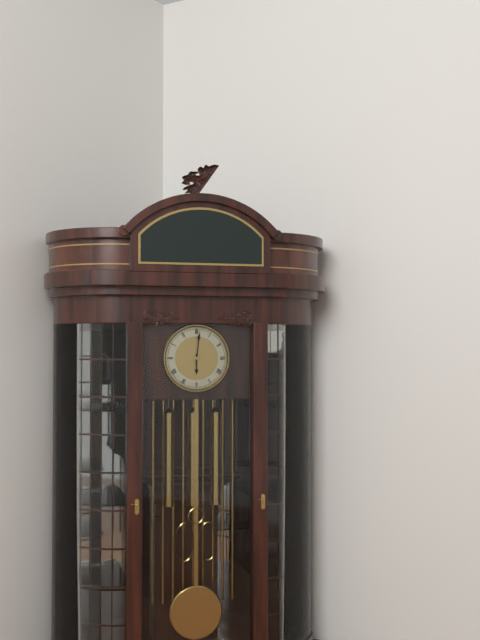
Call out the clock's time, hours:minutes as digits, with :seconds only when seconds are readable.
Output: 6:01
